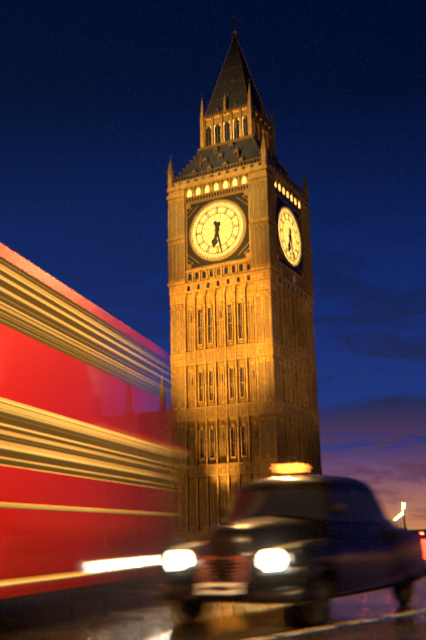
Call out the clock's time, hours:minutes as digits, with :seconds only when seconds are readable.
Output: 6:28
